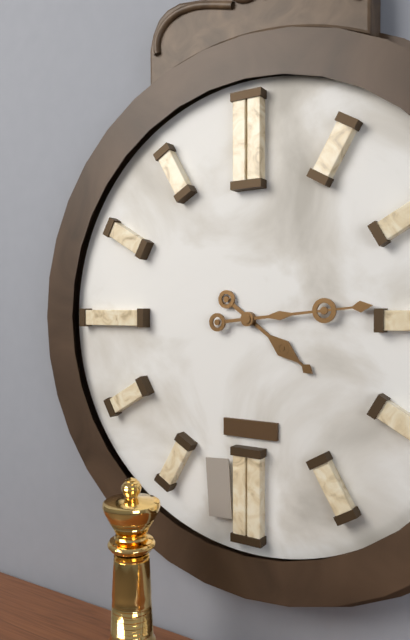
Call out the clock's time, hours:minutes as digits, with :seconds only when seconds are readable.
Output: 4:14
